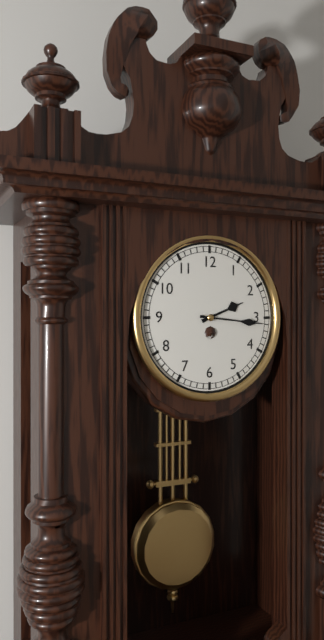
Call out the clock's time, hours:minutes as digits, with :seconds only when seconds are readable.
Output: 2:16
